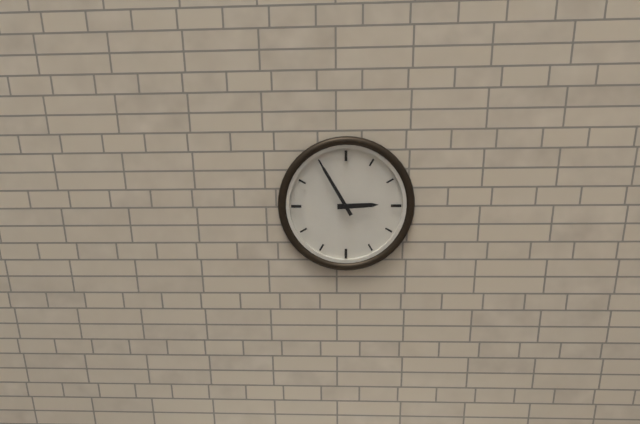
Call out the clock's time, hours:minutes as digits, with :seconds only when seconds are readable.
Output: 2:55
